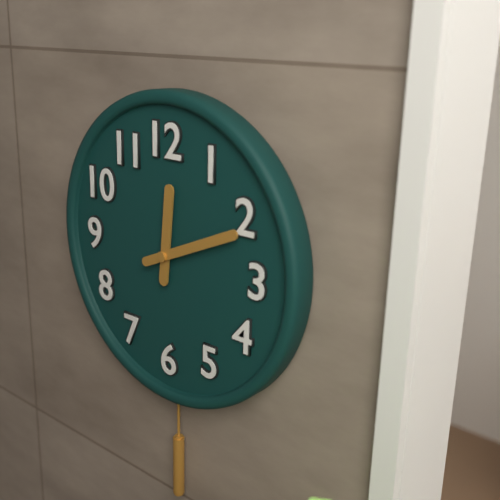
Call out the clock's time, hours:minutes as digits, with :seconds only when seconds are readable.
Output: 12:11
